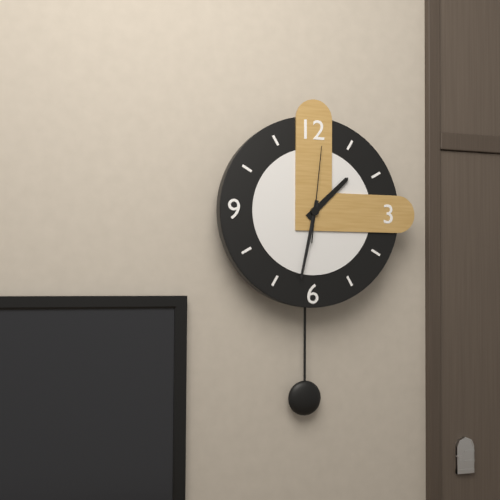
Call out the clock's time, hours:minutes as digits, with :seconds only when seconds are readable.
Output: 1:32:01
